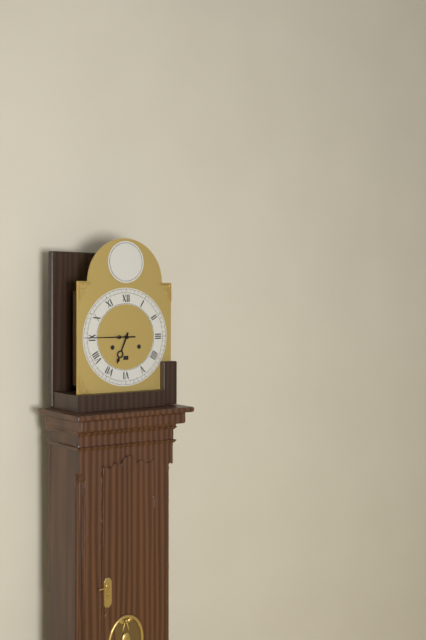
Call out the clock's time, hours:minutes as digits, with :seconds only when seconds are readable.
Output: 6:45
